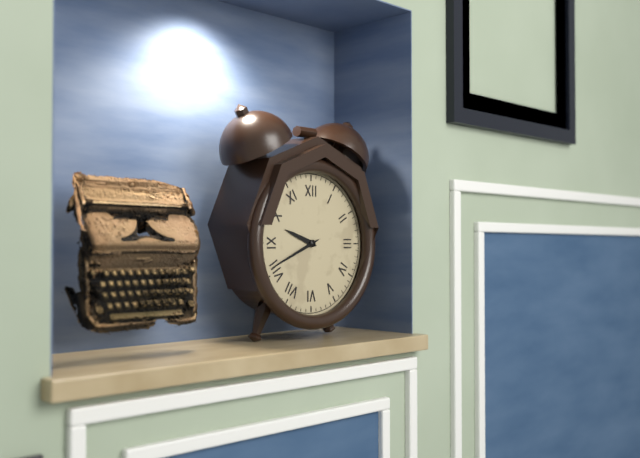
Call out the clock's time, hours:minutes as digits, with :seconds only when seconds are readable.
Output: 9:41
